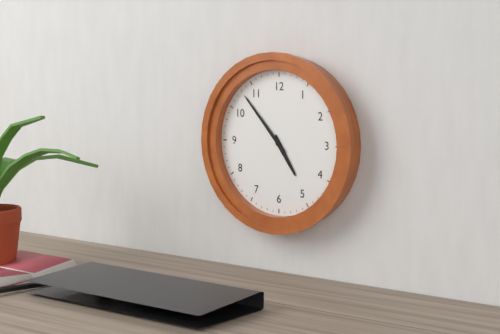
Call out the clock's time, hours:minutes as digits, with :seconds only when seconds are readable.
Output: 4:53
